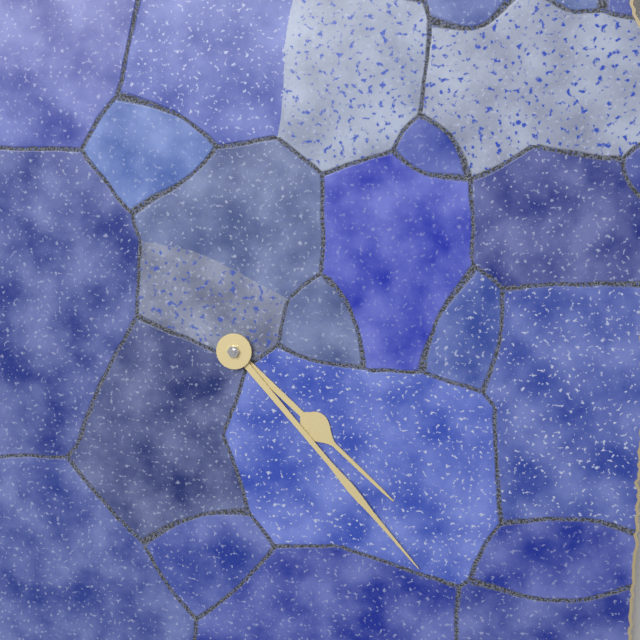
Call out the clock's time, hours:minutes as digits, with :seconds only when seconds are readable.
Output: 4:23
